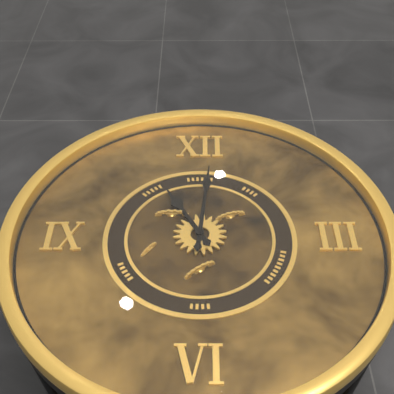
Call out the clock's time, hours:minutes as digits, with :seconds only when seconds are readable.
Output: 11:01
